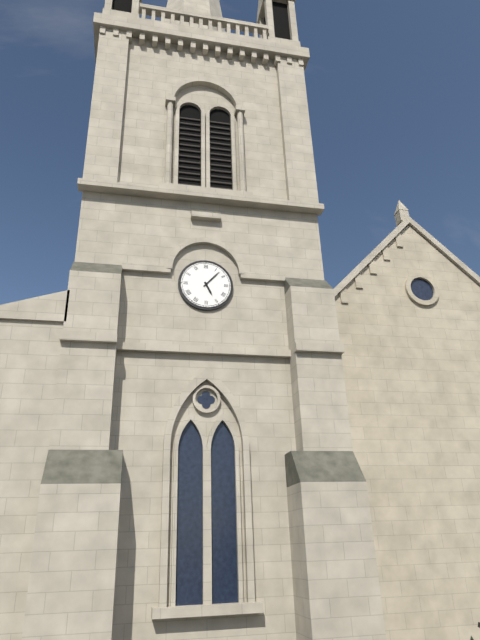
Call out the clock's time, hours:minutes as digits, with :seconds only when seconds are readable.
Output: 5:07
